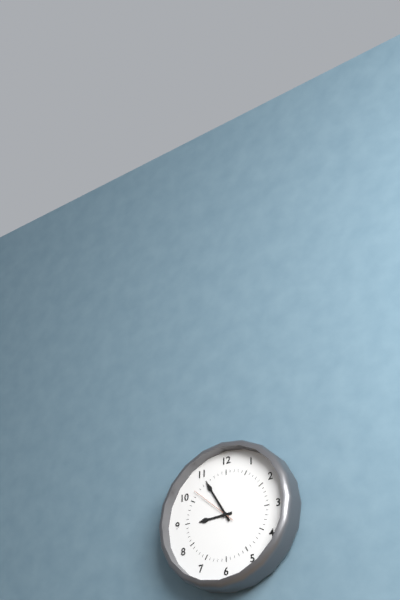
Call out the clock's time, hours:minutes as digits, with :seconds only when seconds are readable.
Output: 8:55
